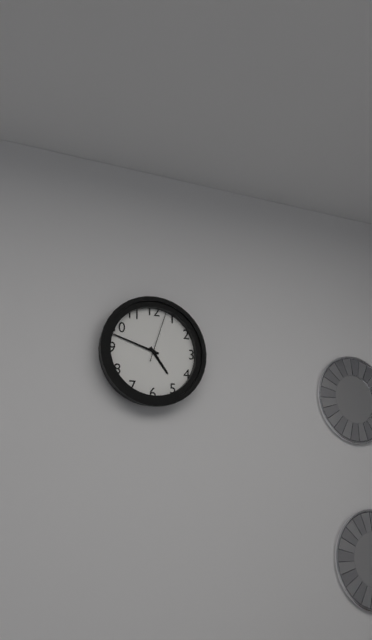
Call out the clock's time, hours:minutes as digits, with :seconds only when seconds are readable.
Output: 4:48:03
